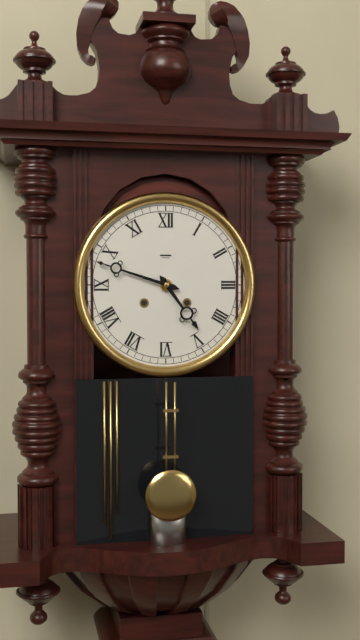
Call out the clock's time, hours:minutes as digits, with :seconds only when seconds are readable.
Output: 4:48
